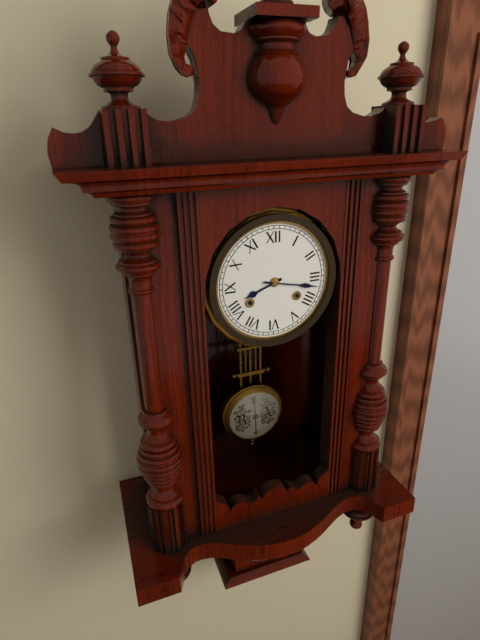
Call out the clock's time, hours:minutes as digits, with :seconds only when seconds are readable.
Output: 8:17
